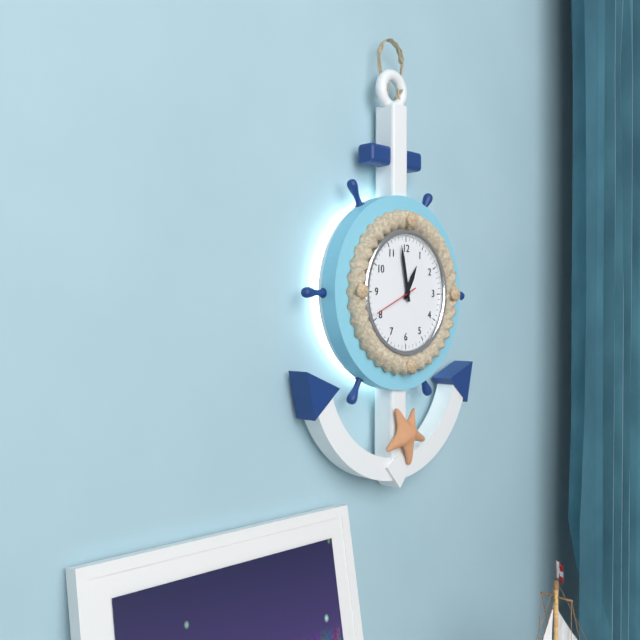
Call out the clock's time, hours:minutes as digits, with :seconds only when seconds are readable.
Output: 12:58
